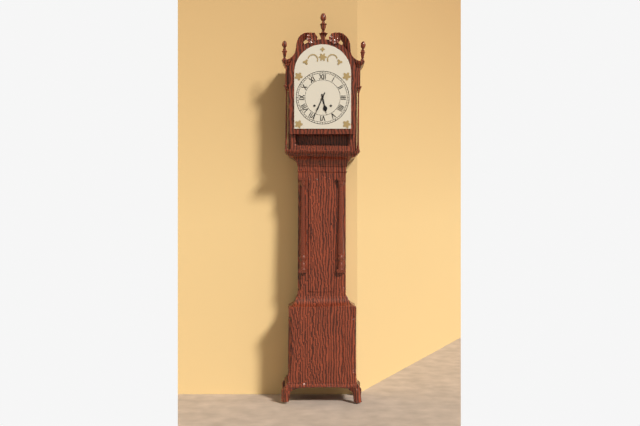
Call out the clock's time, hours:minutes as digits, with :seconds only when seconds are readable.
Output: 5:34
